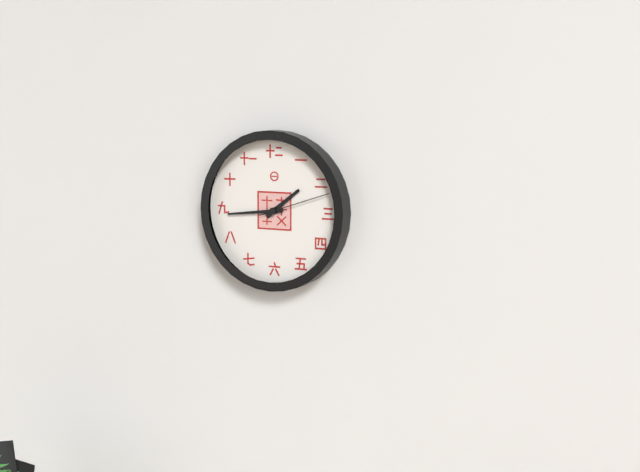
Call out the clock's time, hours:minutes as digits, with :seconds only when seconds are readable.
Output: 1:44:12
